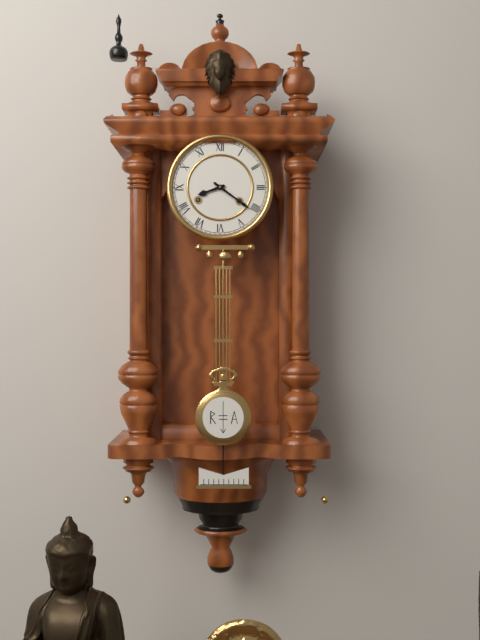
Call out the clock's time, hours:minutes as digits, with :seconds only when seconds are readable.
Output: 8:21
